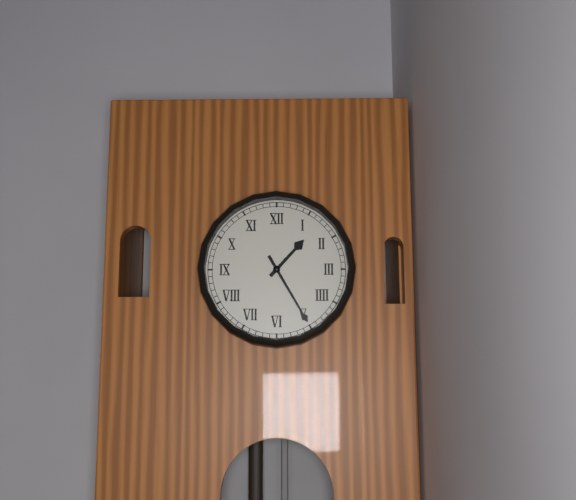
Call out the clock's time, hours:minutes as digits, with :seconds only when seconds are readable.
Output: 1:25
